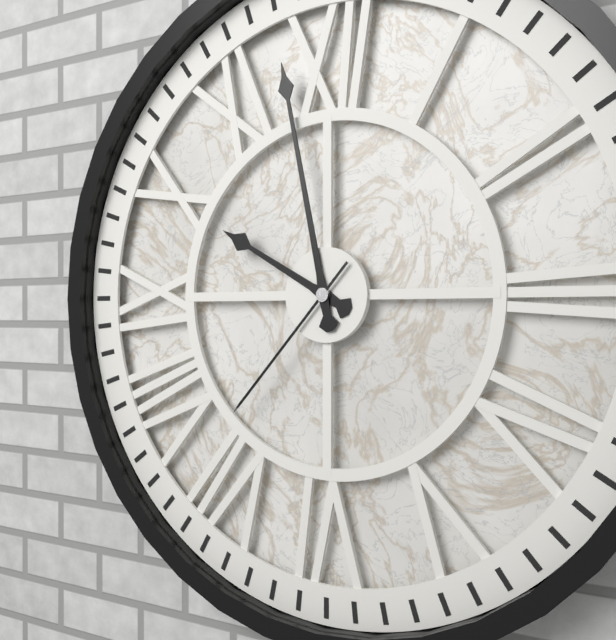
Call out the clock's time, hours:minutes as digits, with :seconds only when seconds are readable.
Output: 9:58:37
